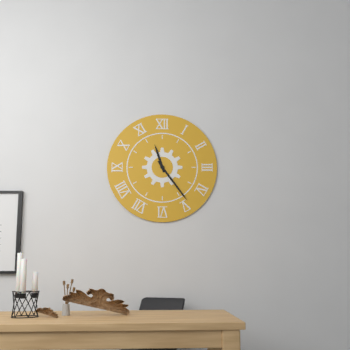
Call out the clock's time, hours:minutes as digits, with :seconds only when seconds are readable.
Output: 11:24
